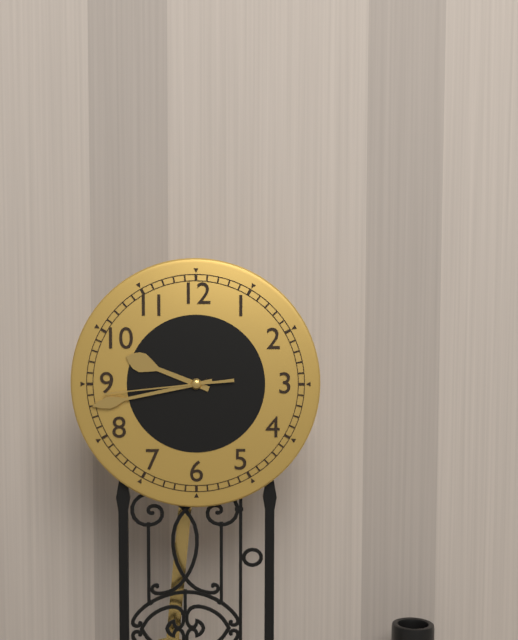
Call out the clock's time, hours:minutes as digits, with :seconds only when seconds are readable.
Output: 9:43:44
